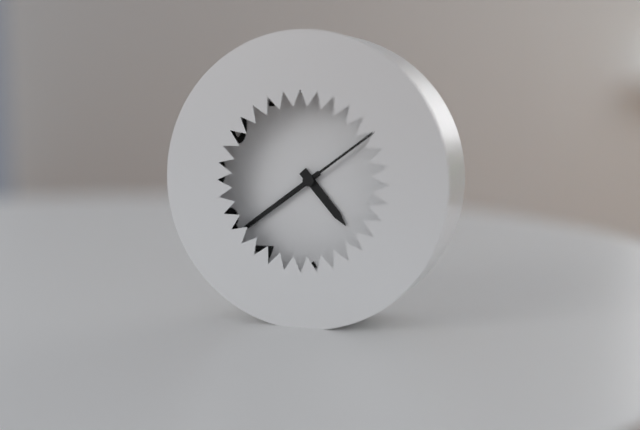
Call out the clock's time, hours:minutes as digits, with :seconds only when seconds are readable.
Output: 4:39:09
